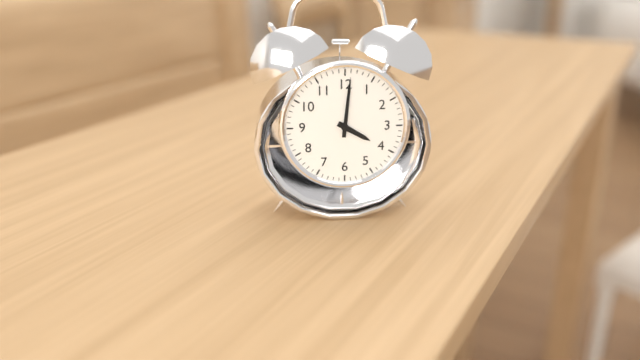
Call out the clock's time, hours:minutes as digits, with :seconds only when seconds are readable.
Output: 4:01
